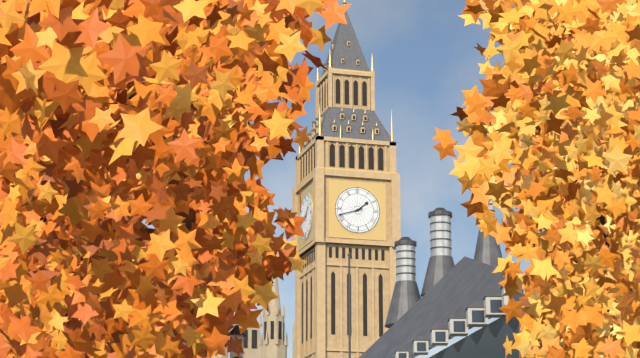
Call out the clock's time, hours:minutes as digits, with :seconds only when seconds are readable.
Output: 1:42
